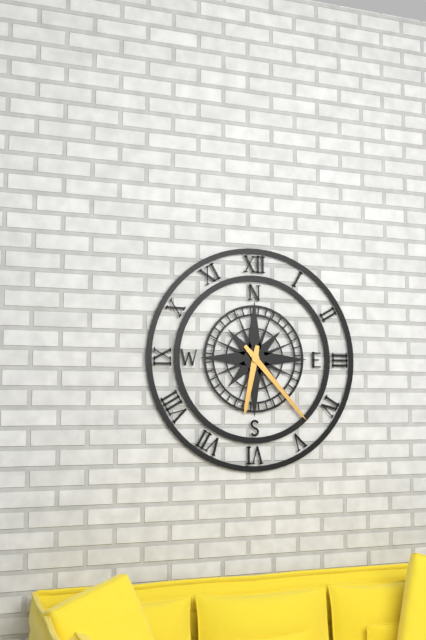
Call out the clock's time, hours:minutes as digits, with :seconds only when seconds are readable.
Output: 6:23
